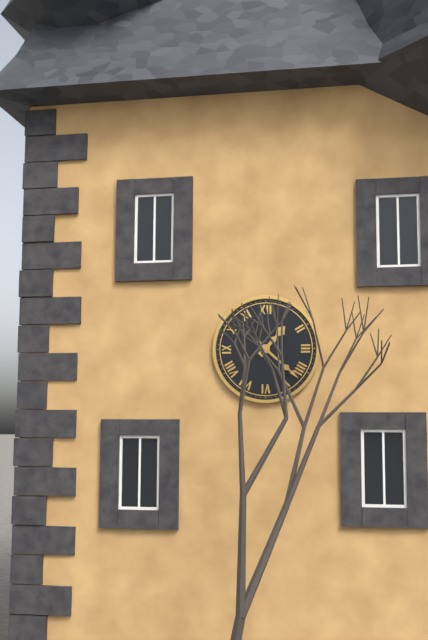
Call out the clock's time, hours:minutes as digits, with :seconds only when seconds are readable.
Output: 1:22
